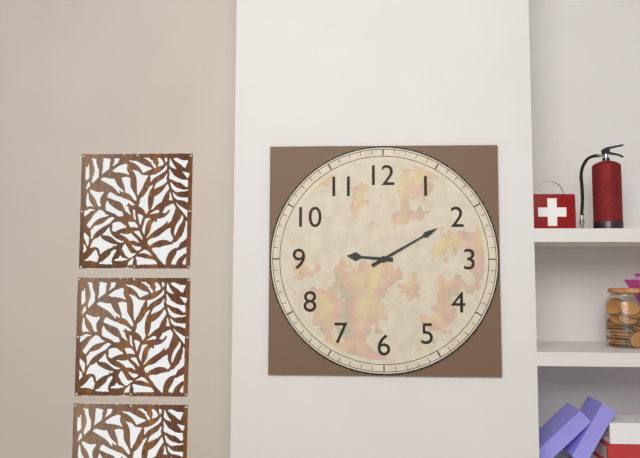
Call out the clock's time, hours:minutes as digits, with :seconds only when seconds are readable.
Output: 9:10
